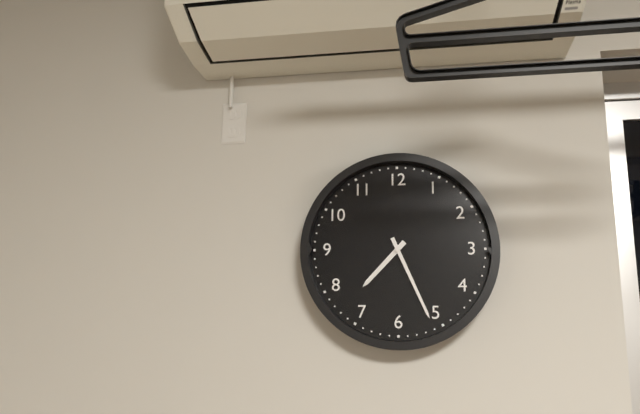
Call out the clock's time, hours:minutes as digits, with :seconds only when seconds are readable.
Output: 7:26
